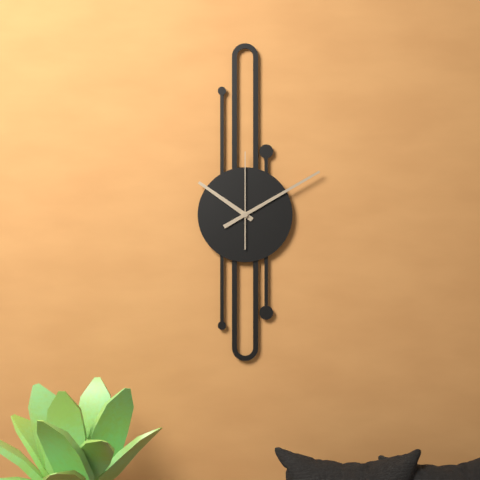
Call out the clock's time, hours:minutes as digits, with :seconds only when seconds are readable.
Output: 10:10:00
